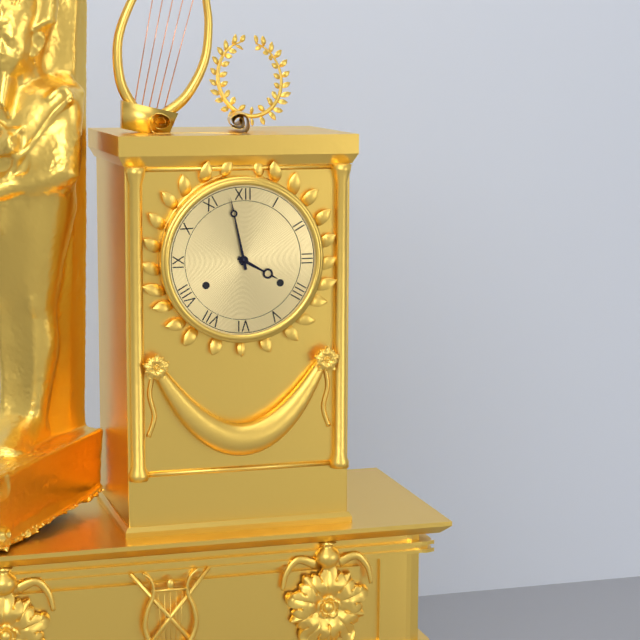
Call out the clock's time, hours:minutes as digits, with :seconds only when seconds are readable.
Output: 3:58
